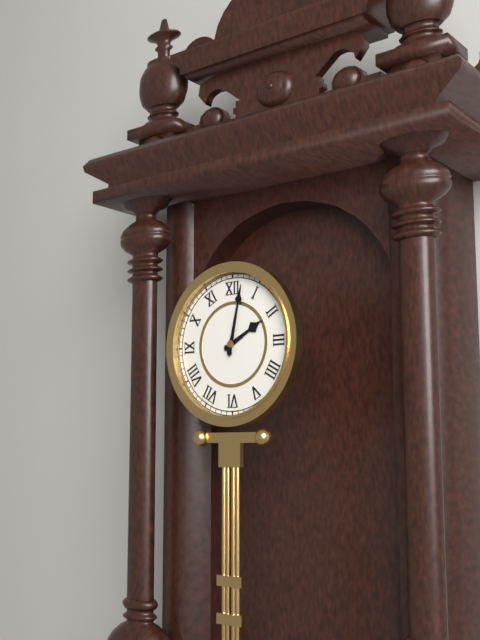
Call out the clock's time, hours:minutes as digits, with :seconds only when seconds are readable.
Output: 2:02
